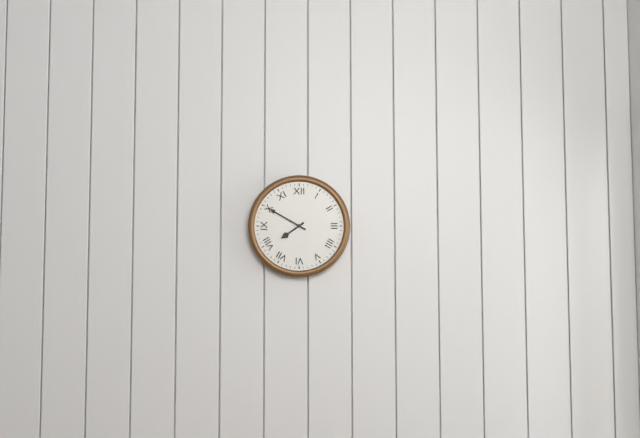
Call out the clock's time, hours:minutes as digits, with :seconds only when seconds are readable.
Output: 7:50
